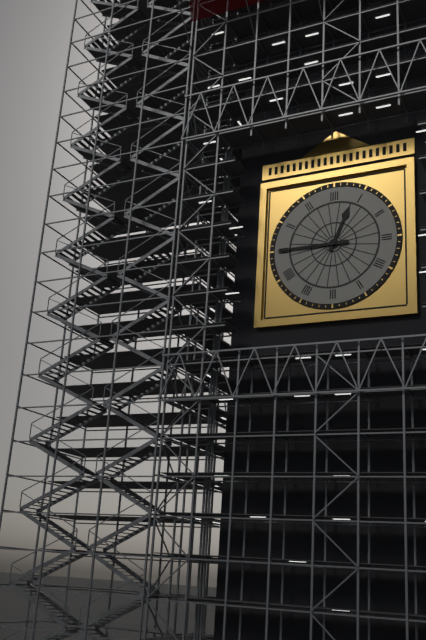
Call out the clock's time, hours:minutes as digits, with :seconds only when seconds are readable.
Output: 12:45
